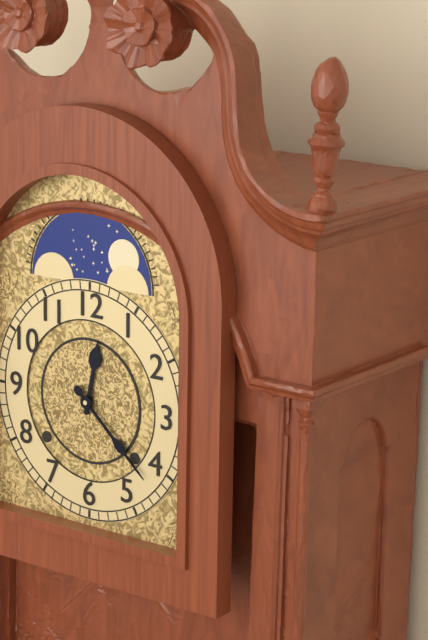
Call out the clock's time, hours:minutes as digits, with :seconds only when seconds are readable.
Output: 12:22
